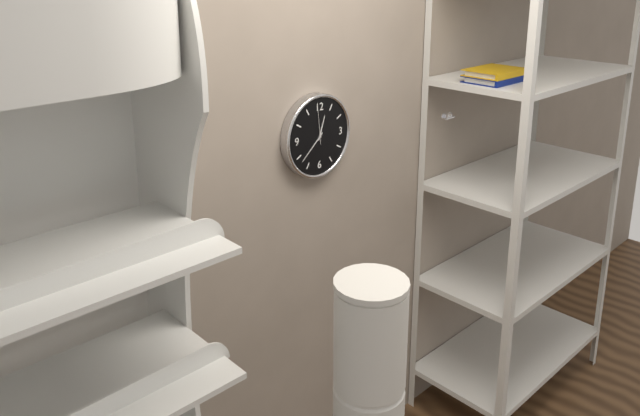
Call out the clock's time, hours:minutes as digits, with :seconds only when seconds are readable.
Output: 12:38
